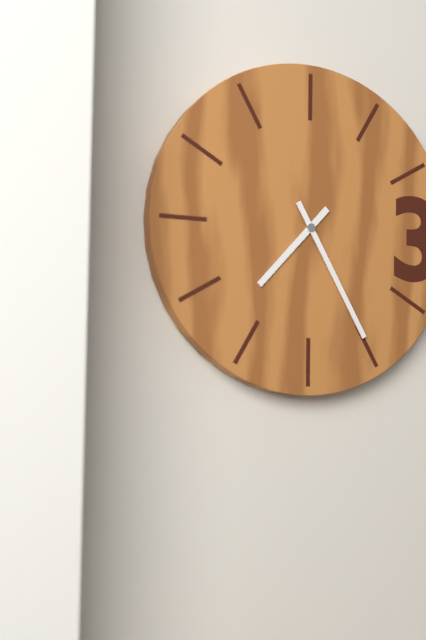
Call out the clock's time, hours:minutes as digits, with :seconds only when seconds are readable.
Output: 7:25
